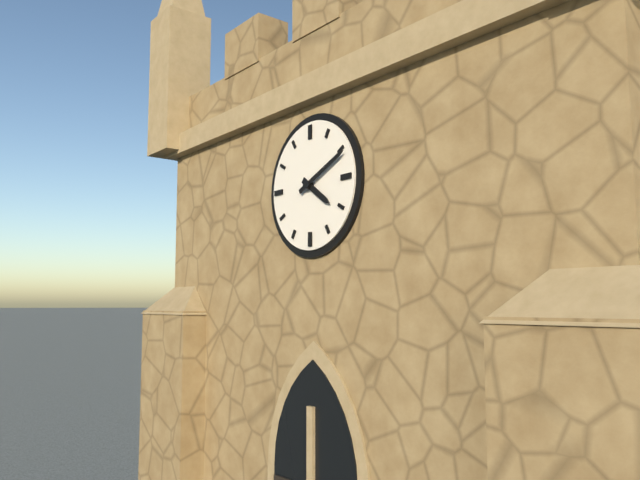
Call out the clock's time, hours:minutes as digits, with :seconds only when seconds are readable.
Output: 4:11
